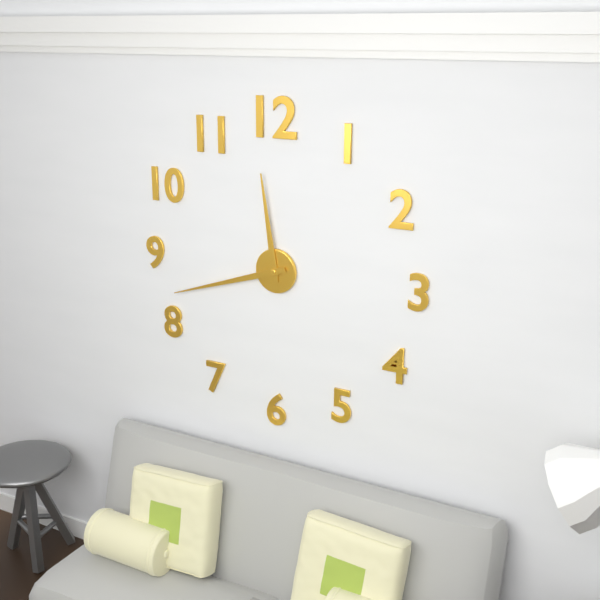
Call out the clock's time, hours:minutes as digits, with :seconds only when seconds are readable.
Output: 11:42
